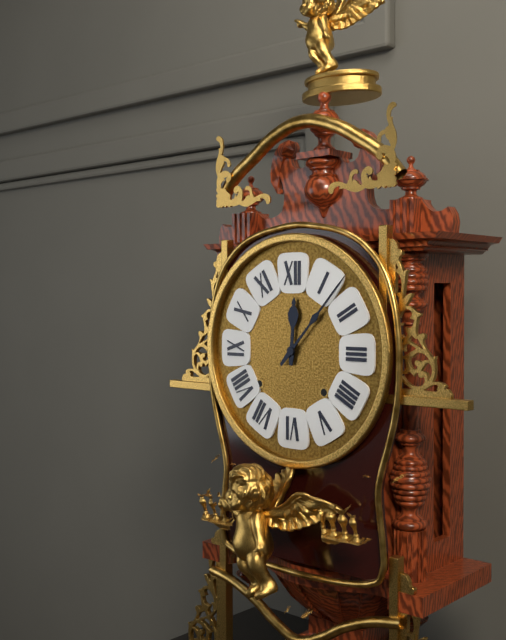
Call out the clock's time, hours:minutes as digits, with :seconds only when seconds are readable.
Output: 12:07
